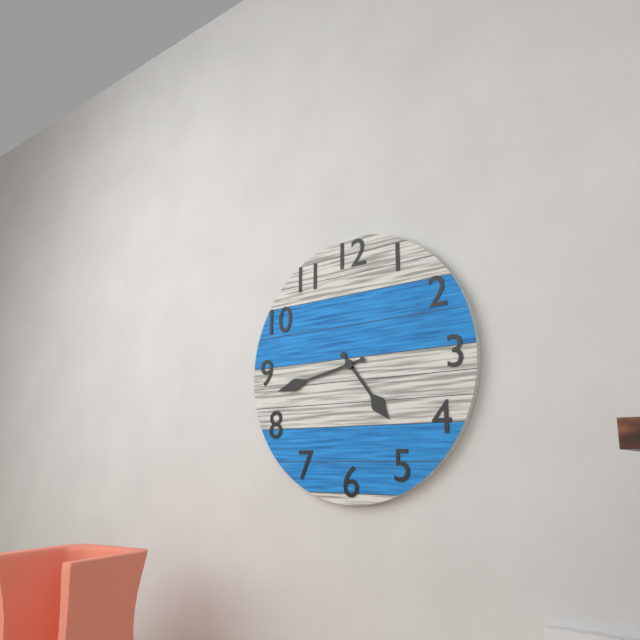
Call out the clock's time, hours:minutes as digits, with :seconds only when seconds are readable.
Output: 4:43
